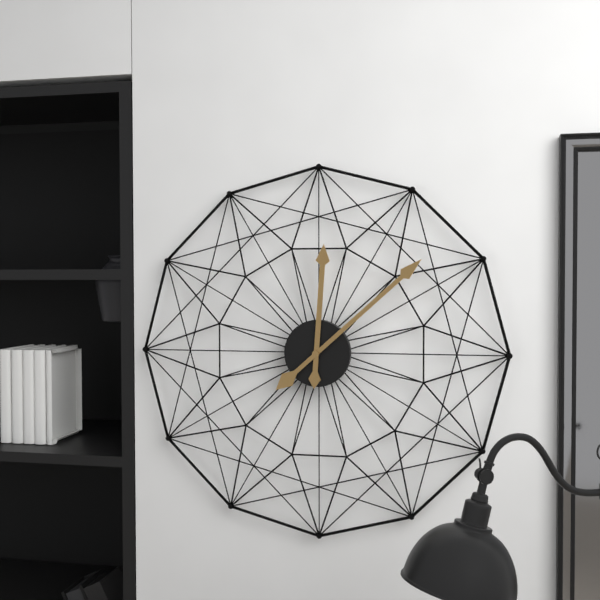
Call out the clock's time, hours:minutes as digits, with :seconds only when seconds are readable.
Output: 12:08
